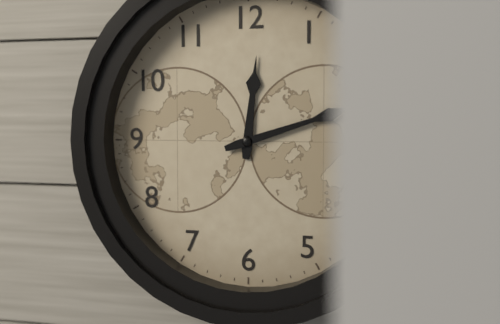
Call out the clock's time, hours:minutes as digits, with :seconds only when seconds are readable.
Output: 12:12
